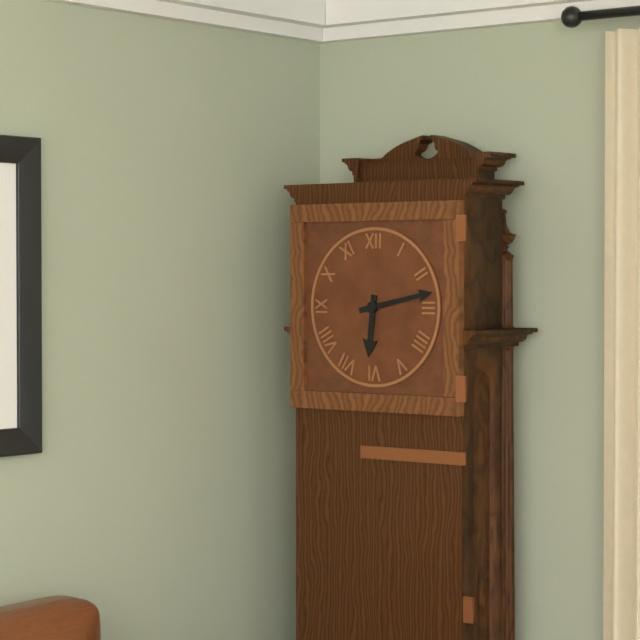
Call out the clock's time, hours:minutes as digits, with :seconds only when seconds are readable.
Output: 6:13
